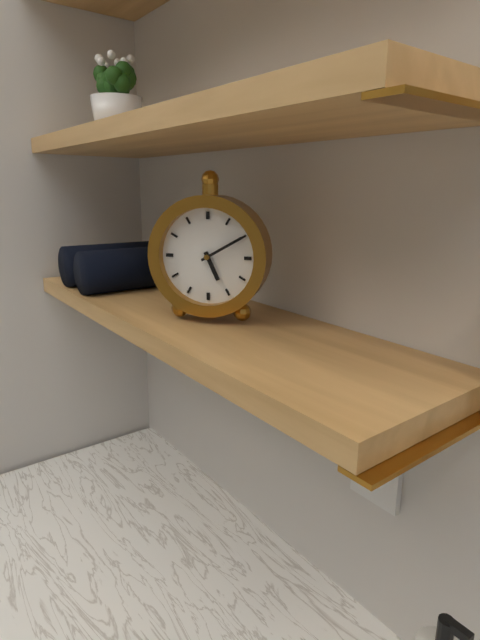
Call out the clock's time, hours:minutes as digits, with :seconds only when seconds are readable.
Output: 5:10
